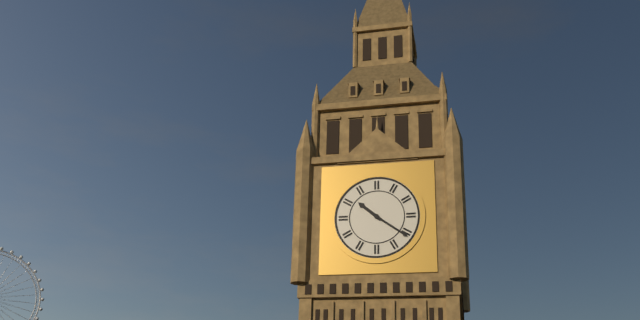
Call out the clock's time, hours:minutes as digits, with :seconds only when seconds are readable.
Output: 10:21
